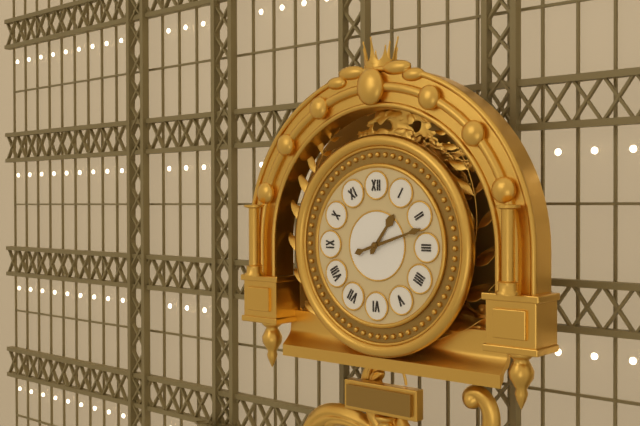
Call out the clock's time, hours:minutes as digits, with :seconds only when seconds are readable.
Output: 1:12
